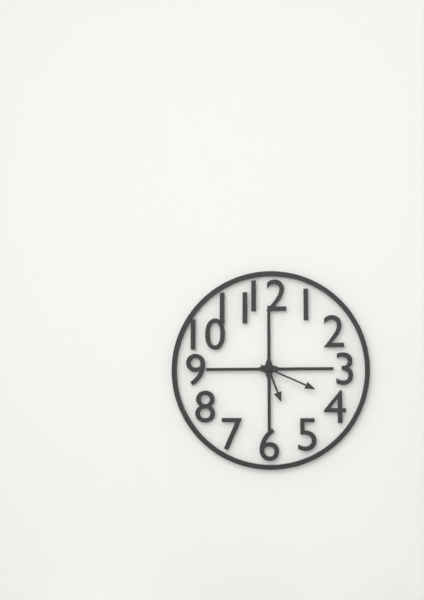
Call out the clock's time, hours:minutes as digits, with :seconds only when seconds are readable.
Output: 5:19
